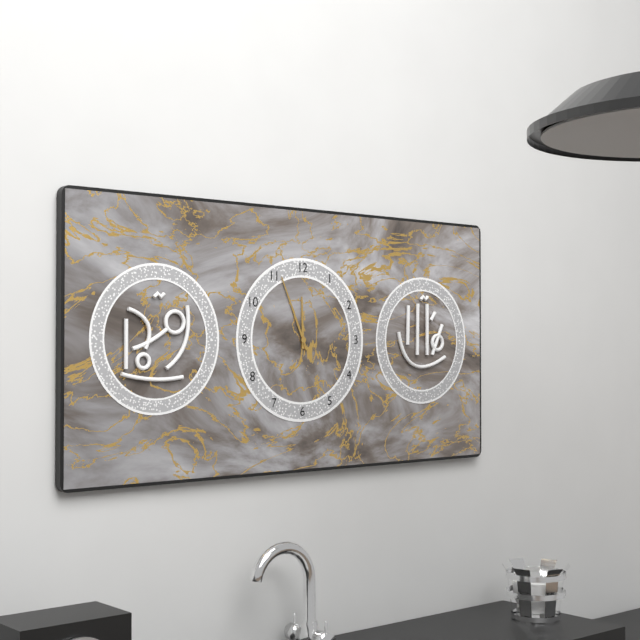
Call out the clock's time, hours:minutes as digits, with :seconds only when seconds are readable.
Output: 11:56
